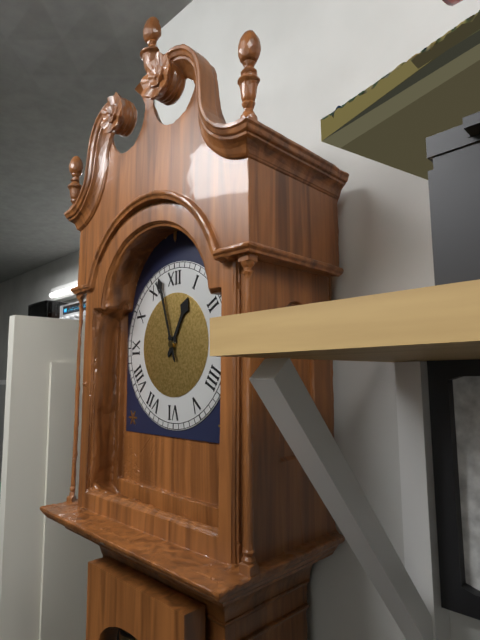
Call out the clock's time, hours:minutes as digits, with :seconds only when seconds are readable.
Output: 12:57
